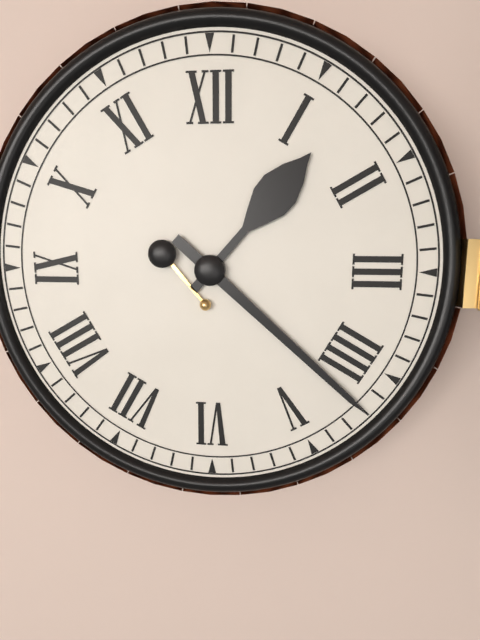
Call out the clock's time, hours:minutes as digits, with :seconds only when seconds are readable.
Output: 1:22
